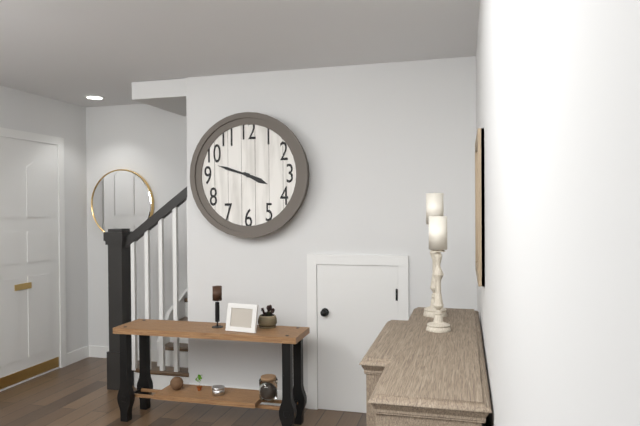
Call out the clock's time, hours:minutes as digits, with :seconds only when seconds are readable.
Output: 3:48
